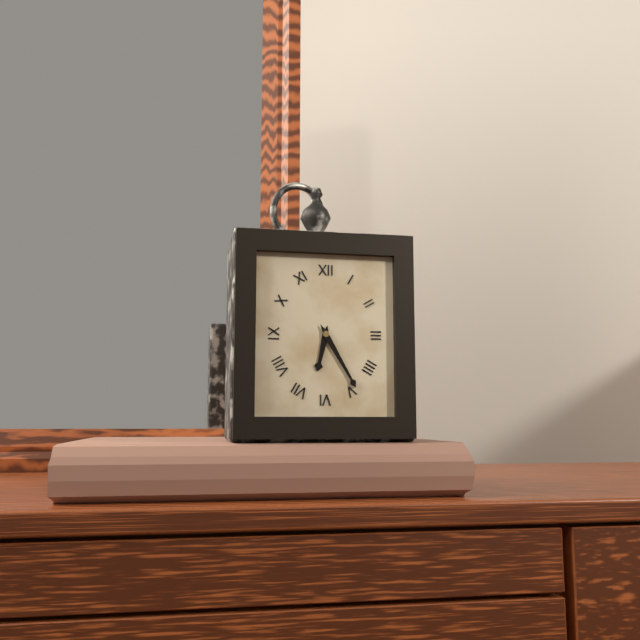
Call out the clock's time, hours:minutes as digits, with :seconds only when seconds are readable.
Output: 6:25
